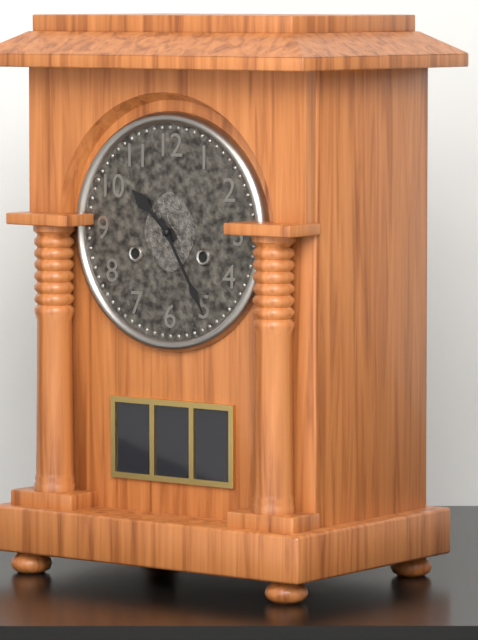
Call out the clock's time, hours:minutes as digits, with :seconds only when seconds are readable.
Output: 10:25
